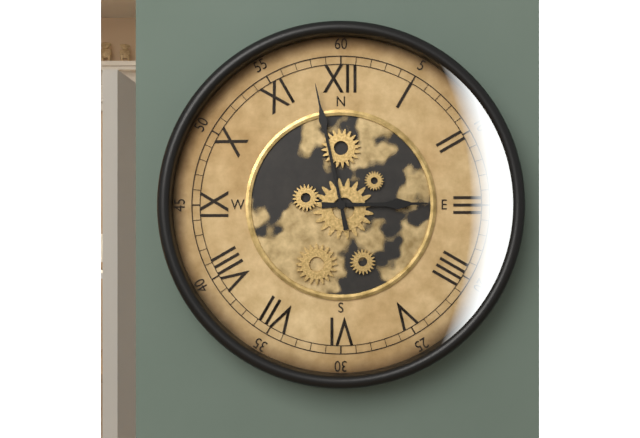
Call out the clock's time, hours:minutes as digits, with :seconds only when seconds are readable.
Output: 2:58
